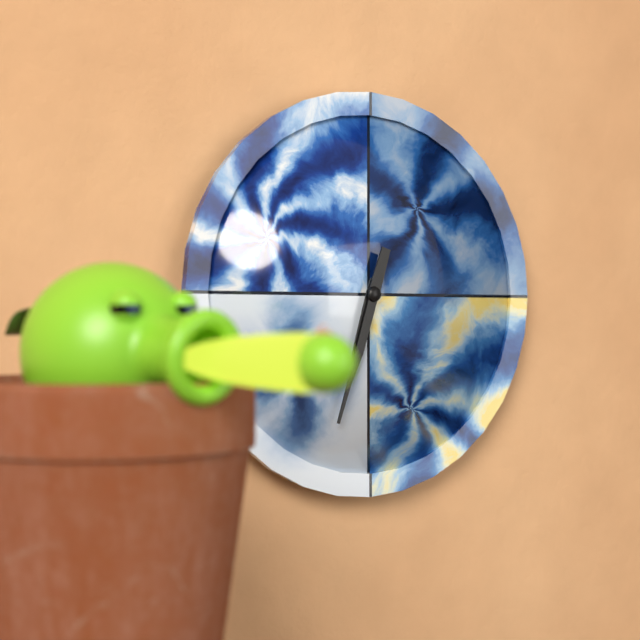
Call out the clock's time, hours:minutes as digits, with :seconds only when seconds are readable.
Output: 6:33
